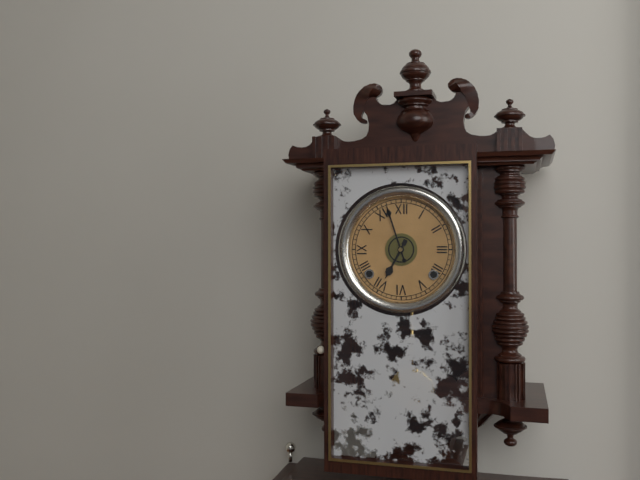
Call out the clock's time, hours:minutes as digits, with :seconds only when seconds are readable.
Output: 6:57
